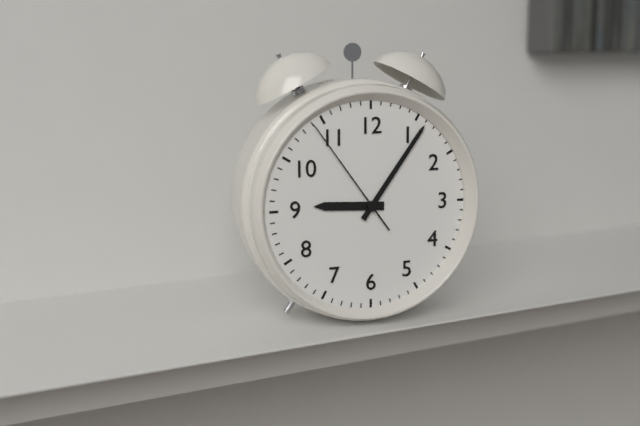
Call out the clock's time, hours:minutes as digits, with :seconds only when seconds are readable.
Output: 9:06:54
